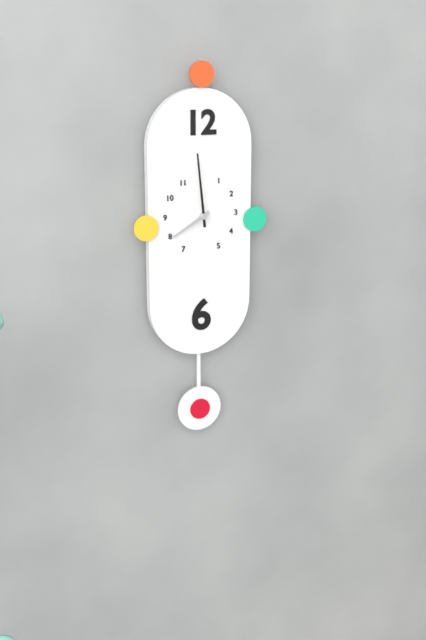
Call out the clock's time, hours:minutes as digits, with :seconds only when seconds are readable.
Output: 7:59
